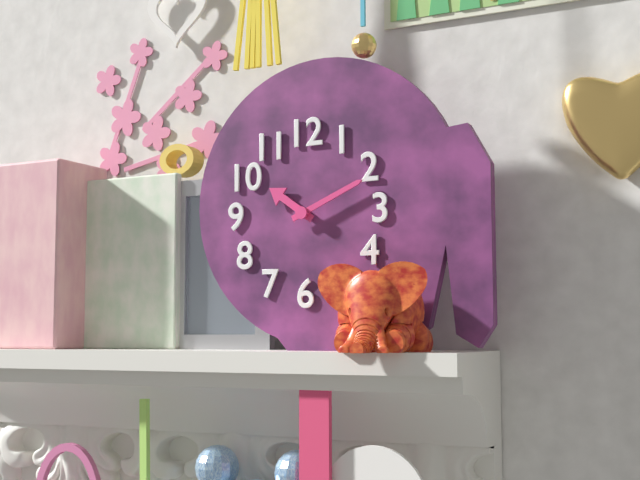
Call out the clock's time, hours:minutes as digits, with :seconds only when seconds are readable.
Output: 10:11
